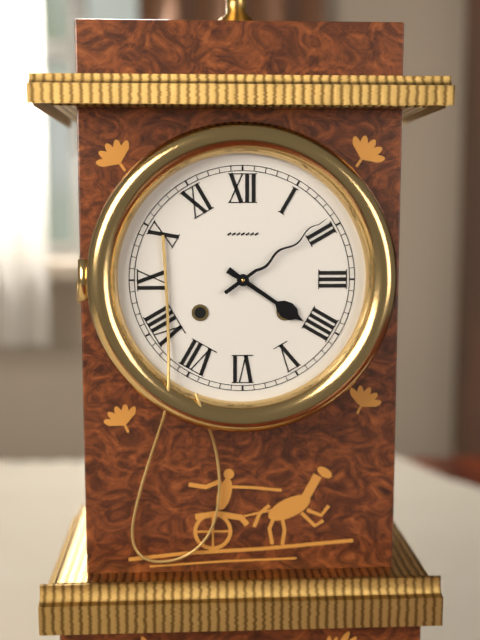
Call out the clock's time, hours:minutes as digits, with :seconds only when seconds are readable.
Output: 4:09
